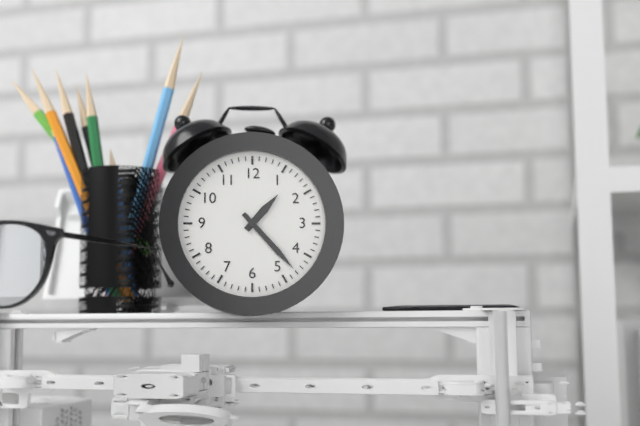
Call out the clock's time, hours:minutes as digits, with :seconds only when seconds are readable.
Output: 1:23
